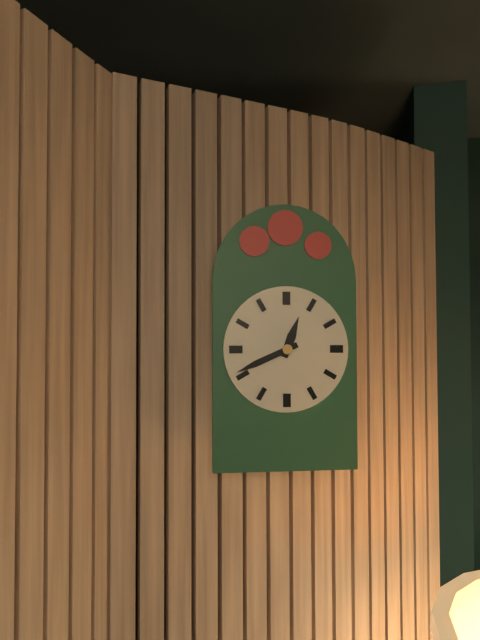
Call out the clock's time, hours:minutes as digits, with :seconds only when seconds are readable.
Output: 12:41
